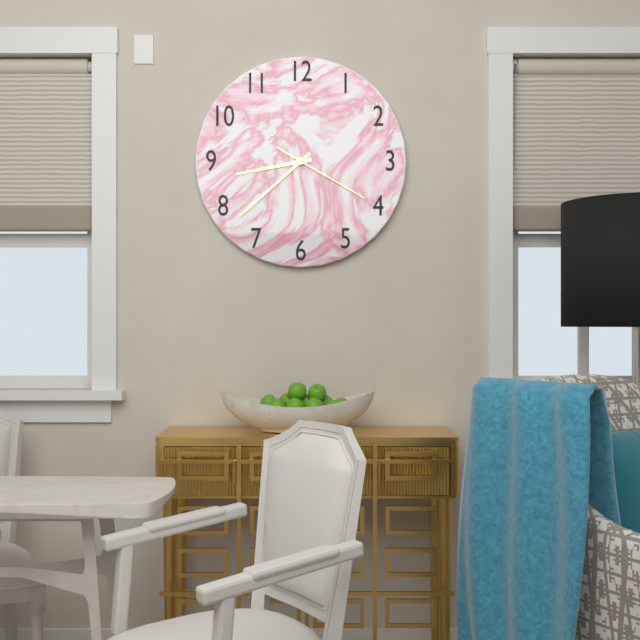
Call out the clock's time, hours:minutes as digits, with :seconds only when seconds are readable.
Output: 8:38:20
